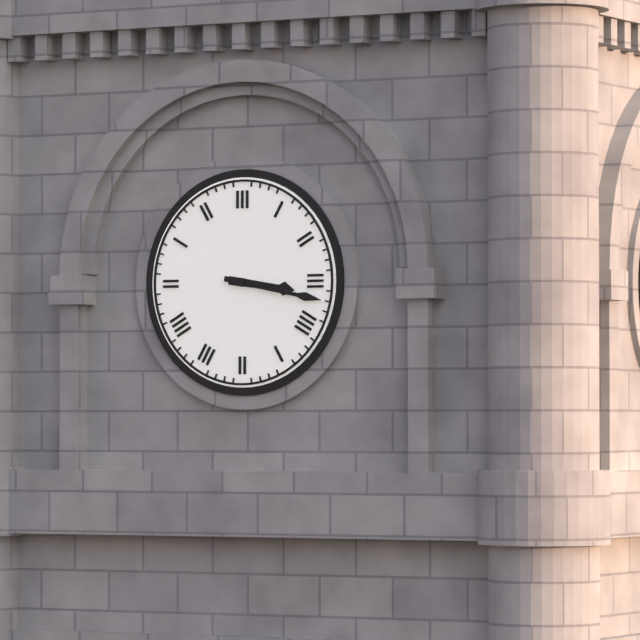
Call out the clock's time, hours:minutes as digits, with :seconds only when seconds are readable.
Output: 3:17
